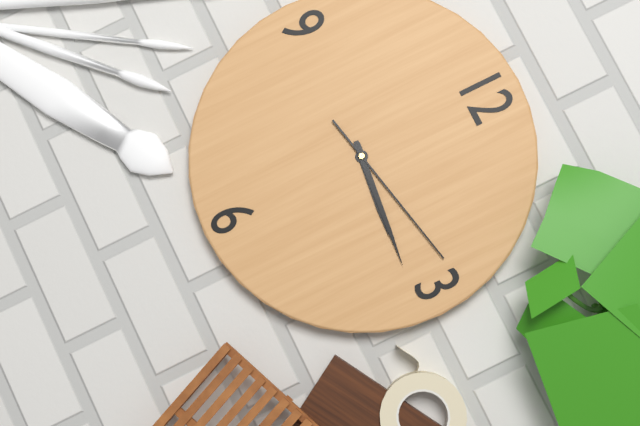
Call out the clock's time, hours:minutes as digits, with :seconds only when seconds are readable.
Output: 3:16:13
